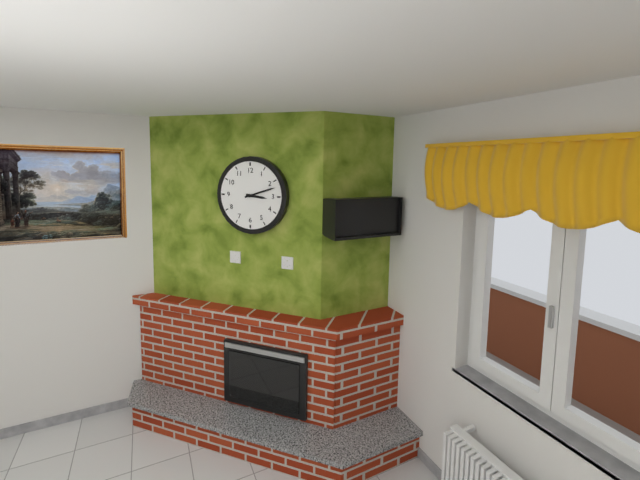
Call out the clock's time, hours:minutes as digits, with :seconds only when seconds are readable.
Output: 3:12
